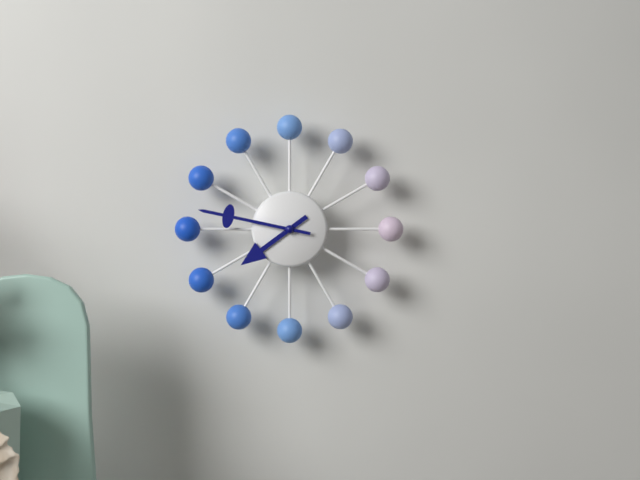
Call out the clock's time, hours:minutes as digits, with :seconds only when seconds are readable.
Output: 7:47
